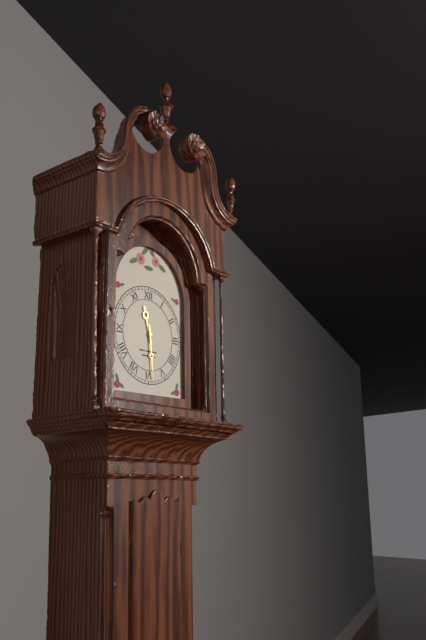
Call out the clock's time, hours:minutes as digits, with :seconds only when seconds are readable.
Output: 11:29
